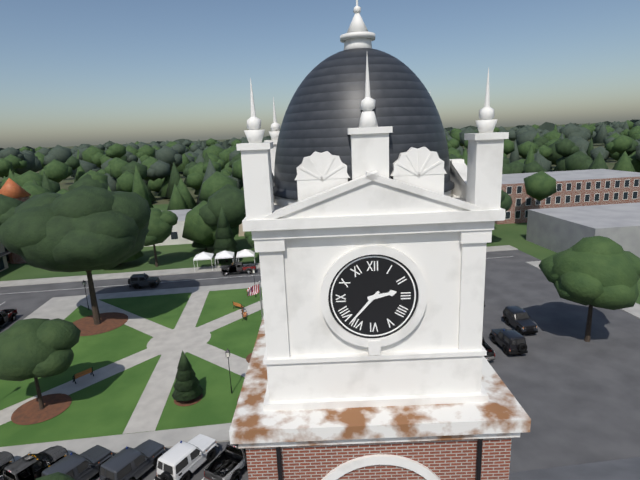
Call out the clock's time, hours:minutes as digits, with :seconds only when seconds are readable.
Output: 2:37
